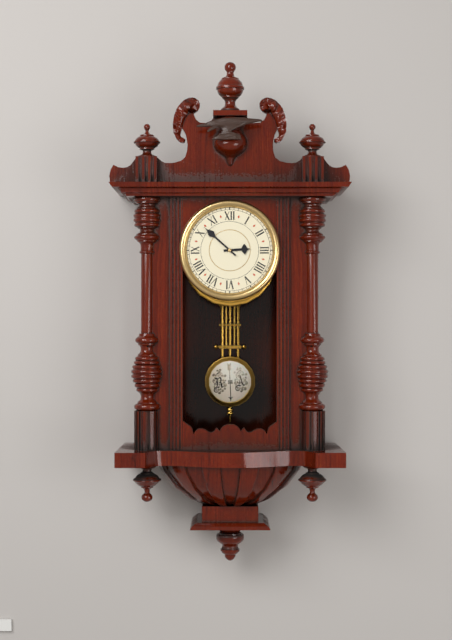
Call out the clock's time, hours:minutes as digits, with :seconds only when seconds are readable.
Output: 2:52
